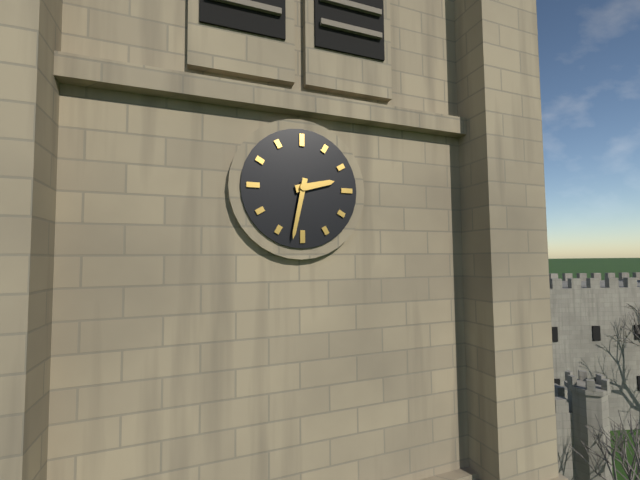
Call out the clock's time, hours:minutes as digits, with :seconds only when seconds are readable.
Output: 2:32
